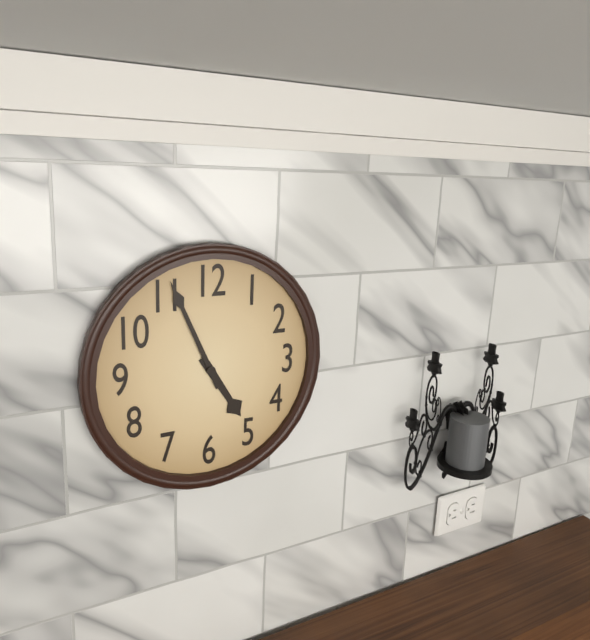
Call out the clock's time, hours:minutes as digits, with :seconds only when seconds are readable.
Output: 4:56
